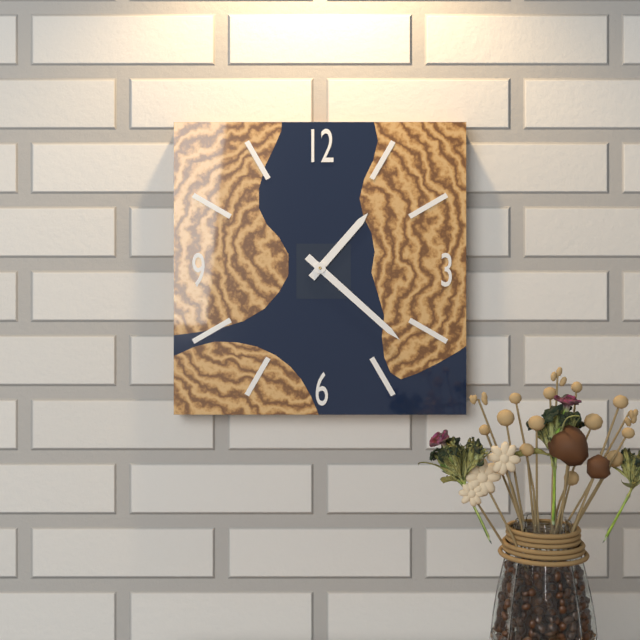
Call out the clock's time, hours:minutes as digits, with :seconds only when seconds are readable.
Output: 1:22
